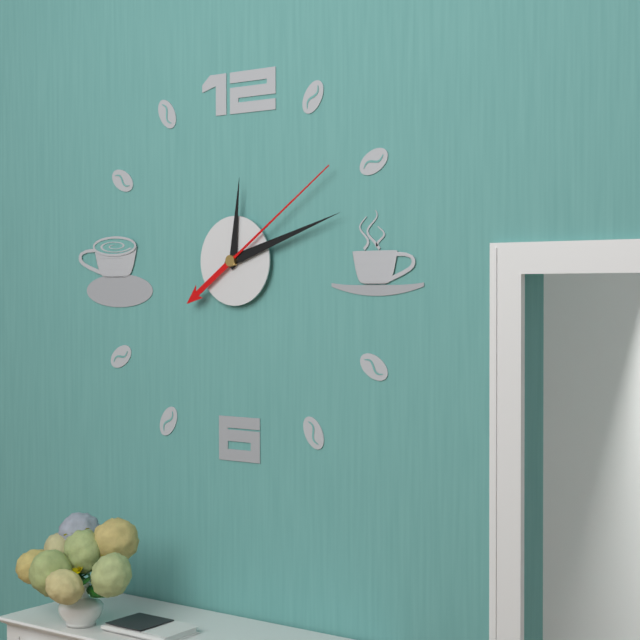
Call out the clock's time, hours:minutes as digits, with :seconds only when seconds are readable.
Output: 12:12:09
